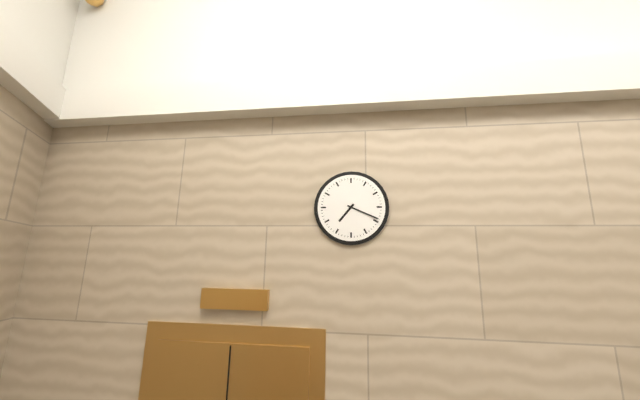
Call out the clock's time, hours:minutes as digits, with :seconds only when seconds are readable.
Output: 7:19
